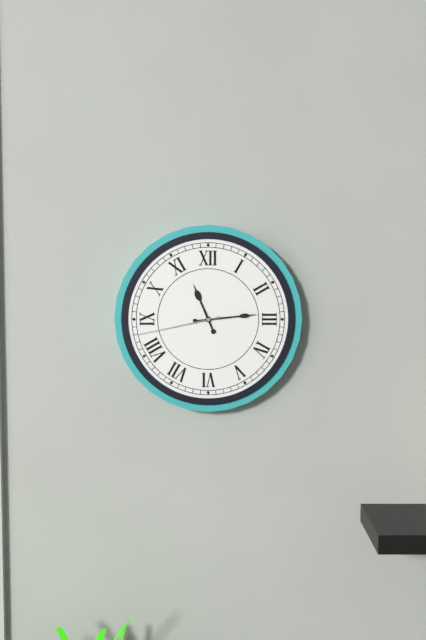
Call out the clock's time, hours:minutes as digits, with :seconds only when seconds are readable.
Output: 11:14:43
